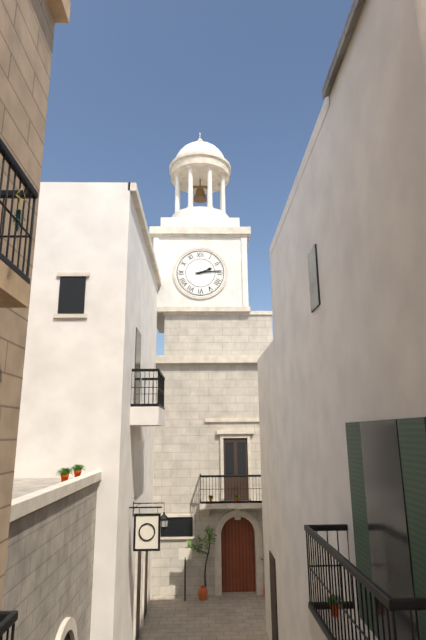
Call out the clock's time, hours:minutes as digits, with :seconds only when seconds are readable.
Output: 2:14
